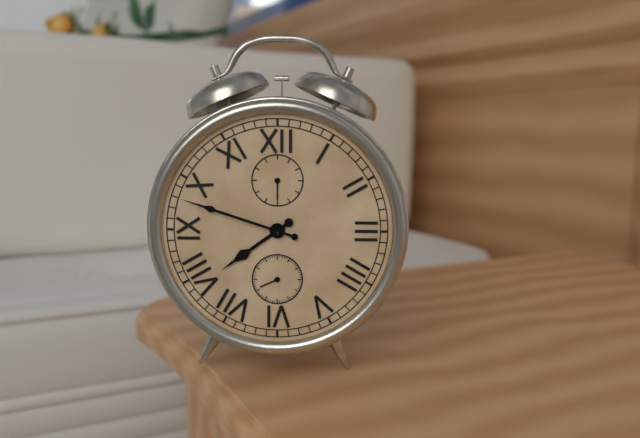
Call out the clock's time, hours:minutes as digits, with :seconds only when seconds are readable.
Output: 7:48
